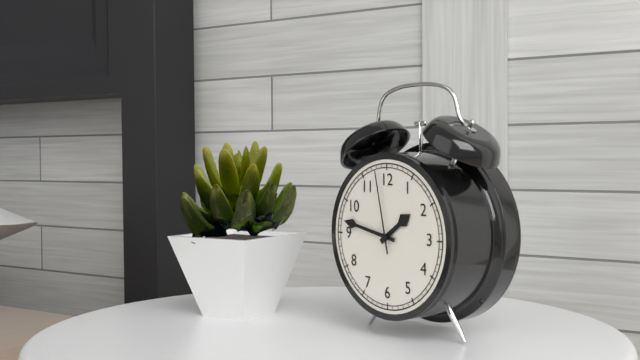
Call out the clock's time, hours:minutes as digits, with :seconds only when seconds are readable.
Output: 1:47:58
